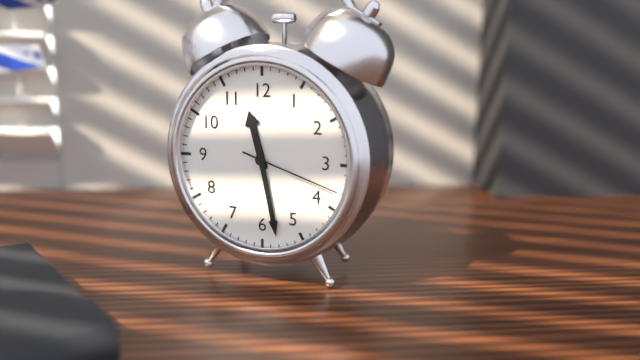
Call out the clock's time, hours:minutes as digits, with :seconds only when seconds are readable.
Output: 11:28:18
